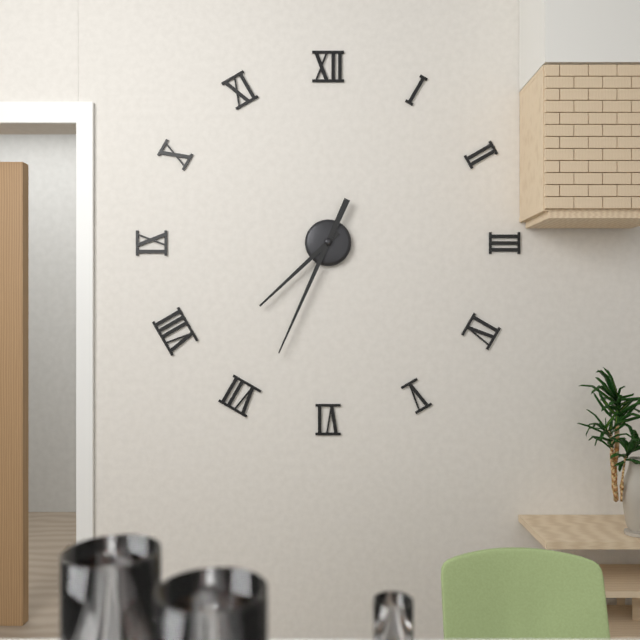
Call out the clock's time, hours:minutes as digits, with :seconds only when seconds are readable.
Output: 7:34
